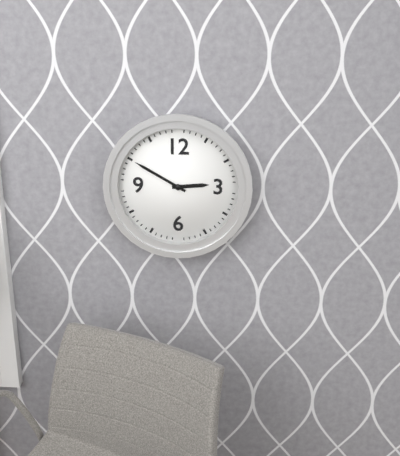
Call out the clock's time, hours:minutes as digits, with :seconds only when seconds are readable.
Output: 2:50
